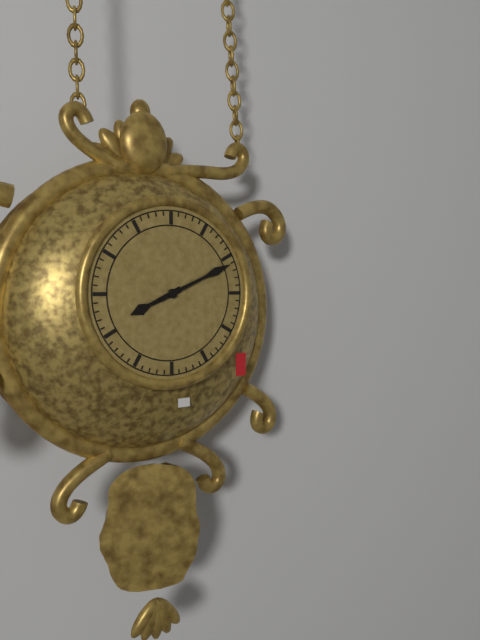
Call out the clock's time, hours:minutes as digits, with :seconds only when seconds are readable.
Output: 8:11
